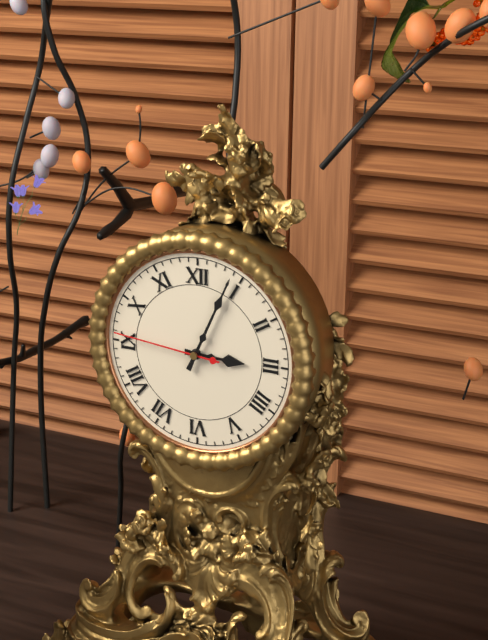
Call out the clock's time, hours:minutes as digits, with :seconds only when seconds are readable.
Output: 3:04:46
